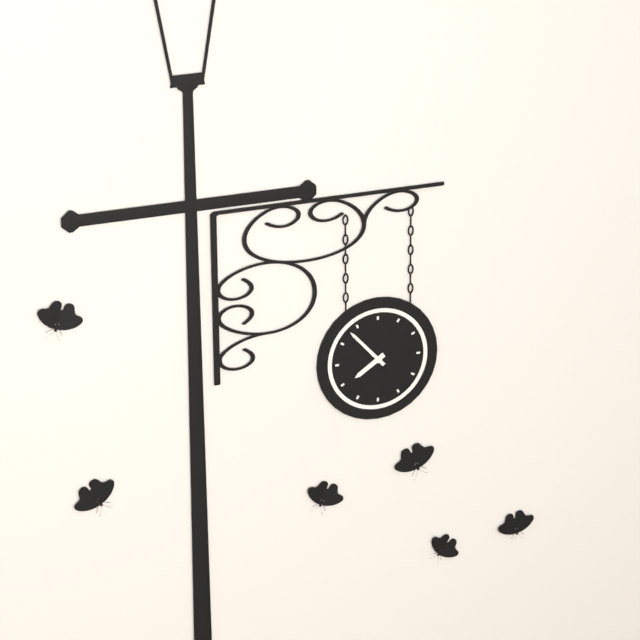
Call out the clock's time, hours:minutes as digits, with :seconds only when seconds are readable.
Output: 7:53
